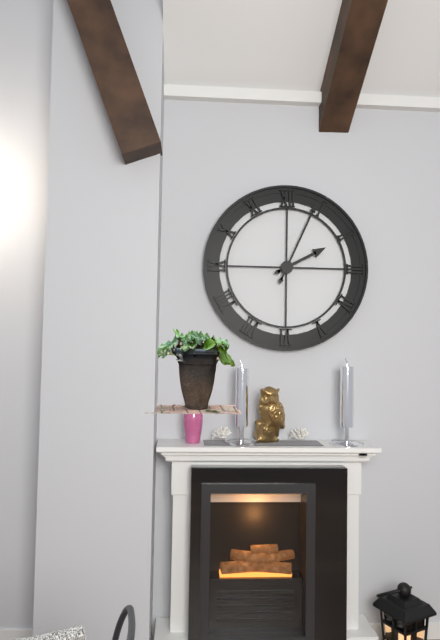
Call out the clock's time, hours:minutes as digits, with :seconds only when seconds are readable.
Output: 2:04
